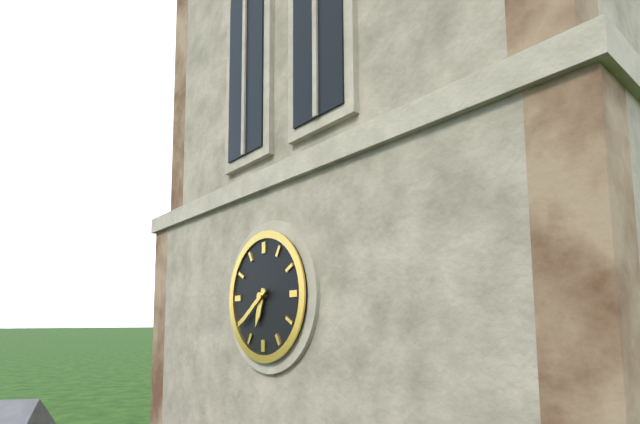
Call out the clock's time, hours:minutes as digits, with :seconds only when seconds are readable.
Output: 6:39
